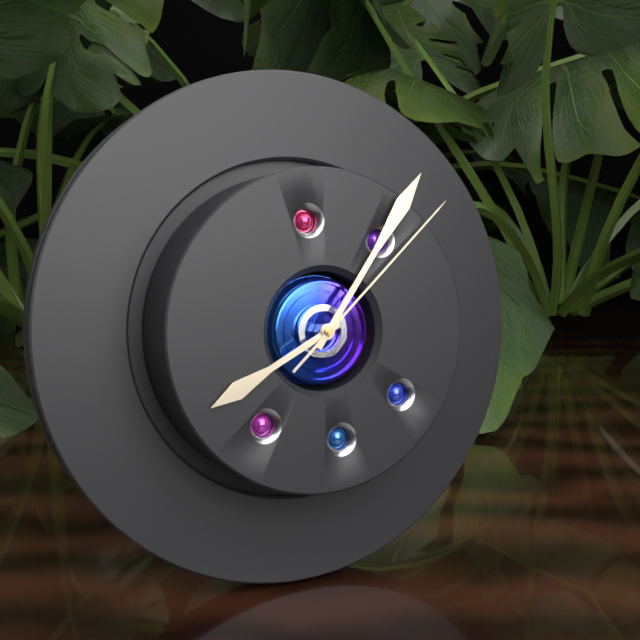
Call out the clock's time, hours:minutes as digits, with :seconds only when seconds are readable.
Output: 8:06:08
